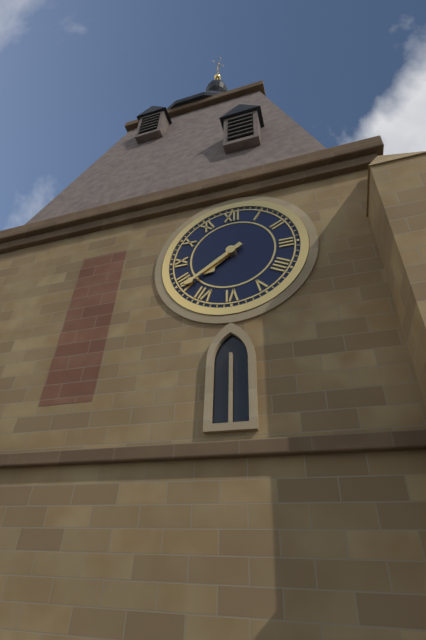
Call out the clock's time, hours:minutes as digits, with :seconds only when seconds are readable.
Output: 7:39
